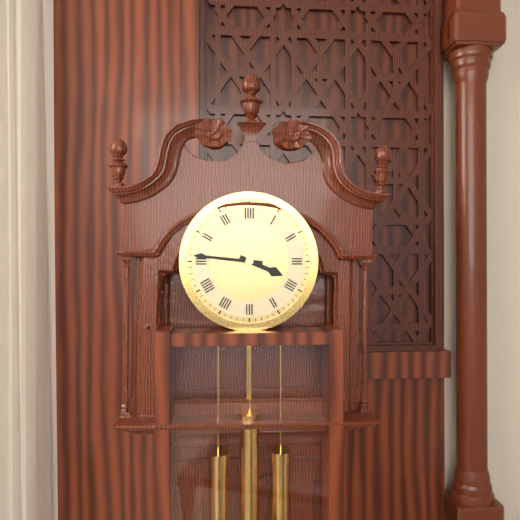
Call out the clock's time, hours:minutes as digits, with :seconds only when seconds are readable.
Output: 3:46
